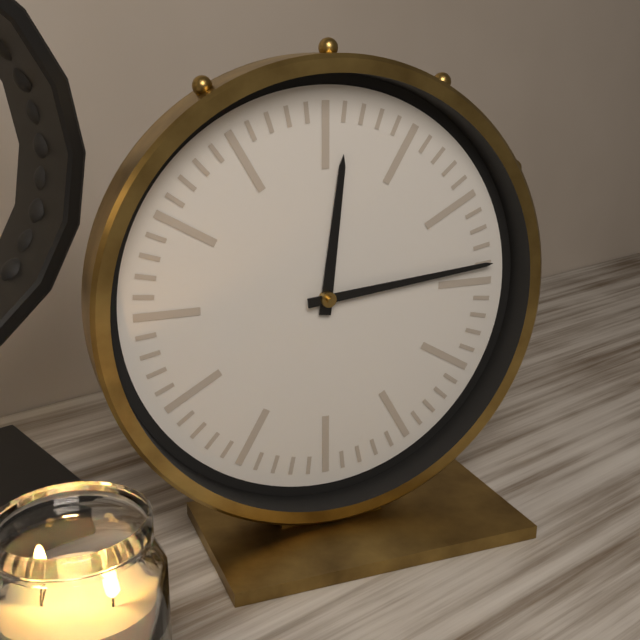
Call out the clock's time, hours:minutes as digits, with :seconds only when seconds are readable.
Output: 12:14
